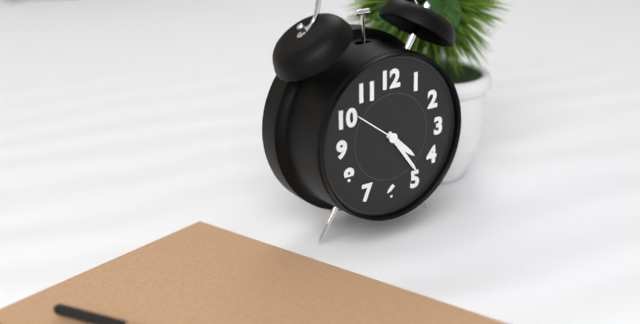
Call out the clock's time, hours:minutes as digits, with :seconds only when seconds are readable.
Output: 4:24:51
